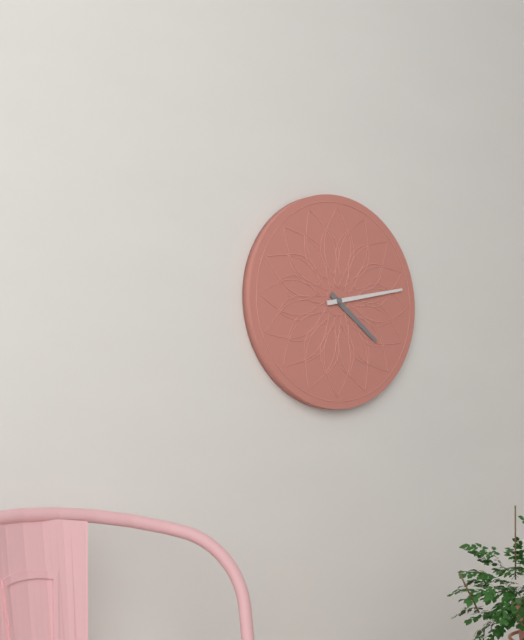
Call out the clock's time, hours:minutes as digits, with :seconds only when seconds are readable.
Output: 4:13
